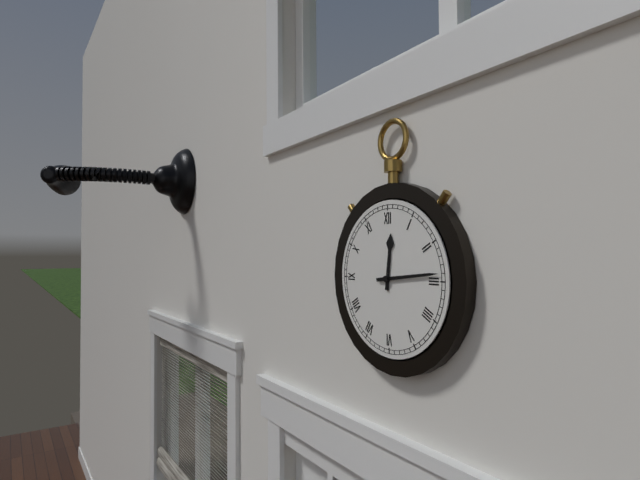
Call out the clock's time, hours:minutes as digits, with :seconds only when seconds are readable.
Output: 12:14
